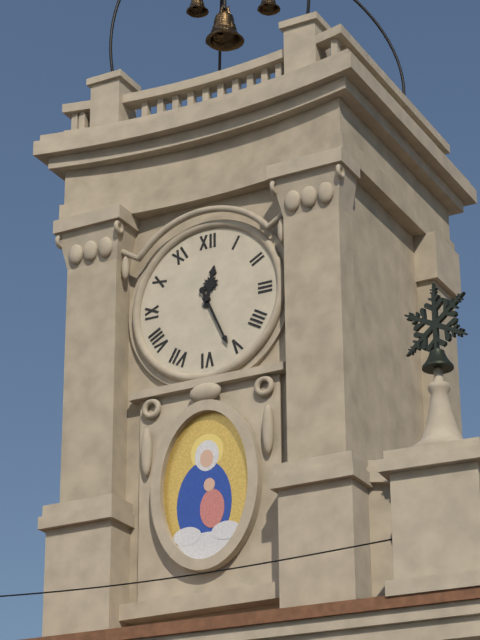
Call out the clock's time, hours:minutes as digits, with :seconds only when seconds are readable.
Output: 12:26
